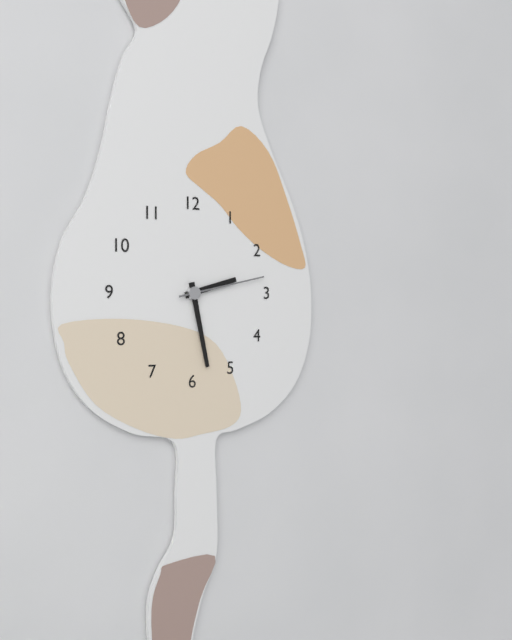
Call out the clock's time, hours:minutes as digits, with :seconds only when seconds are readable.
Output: 2:28:13
